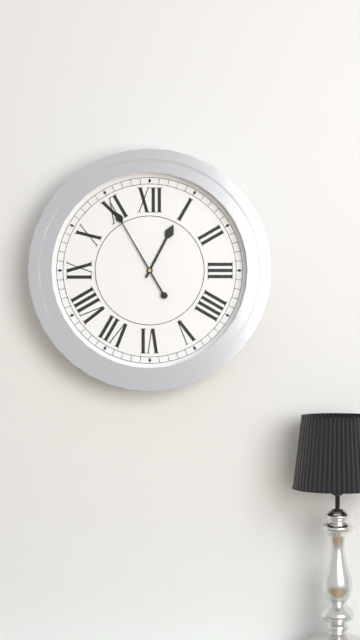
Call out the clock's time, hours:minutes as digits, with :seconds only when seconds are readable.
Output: 12:55
